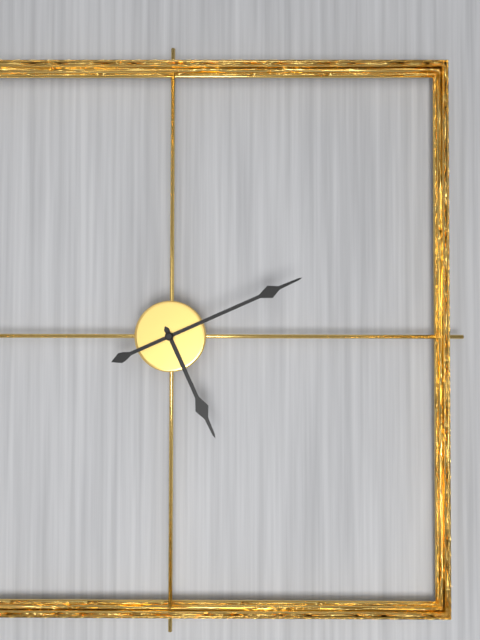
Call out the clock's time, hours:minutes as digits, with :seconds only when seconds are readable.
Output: 5:11
